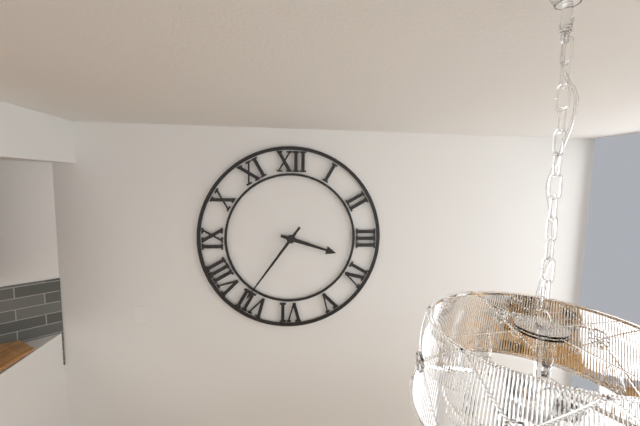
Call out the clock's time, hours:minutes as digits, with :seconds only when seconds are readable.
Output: 3:36
